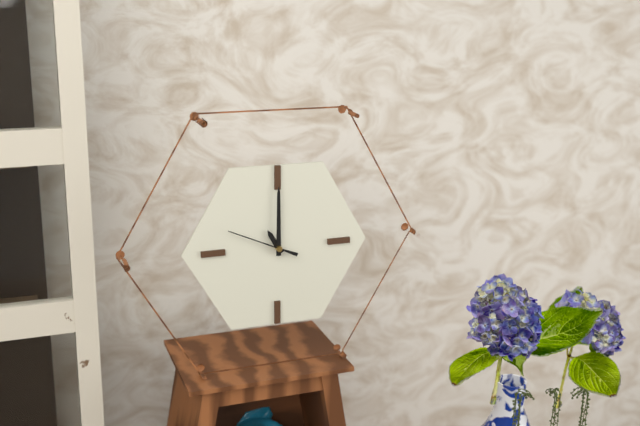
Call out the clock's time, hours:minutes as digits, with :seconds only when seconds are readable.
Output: 11:00:49
